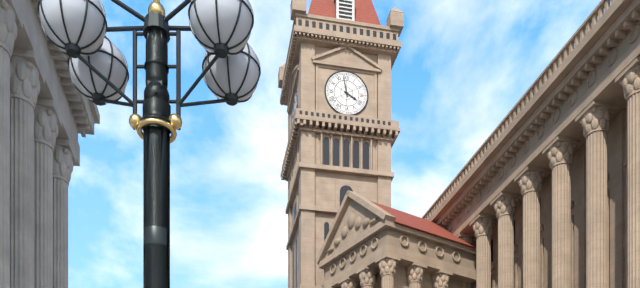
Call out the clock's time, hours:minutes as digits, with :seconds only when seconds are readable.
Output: 3:58
